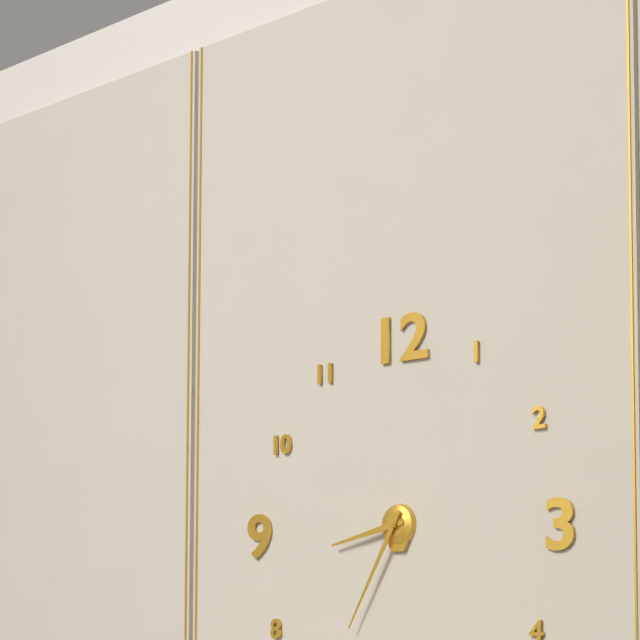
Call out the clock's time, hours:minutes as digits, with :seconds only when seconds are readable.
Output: 8:35
